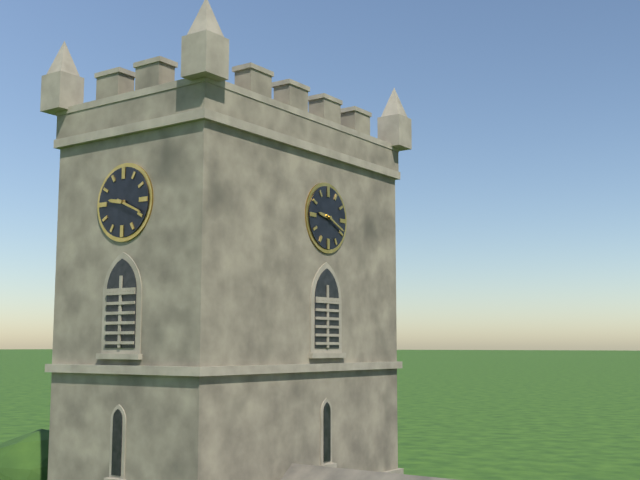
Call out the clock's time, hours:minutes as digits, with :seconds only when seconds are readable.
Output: 9:19
